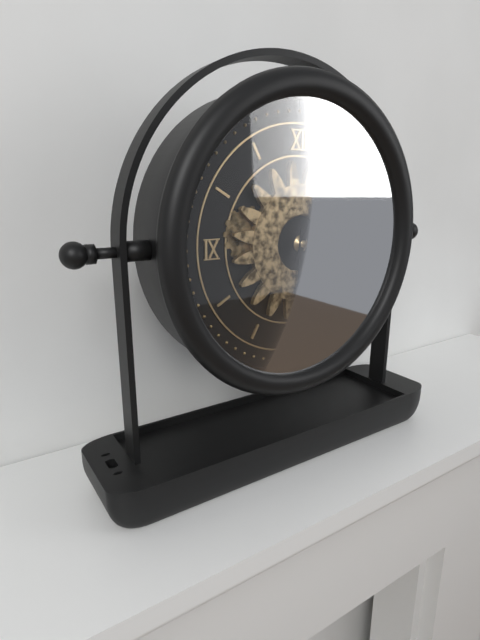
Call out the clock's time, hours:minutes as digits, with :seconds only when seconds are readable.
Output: 6:04
